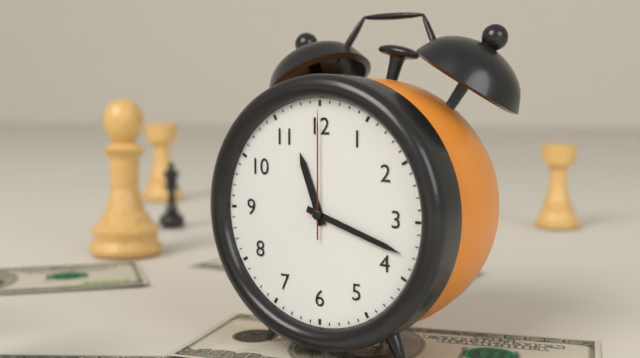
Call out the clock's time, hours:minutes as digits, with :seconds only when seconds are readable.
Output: 11:18:00
